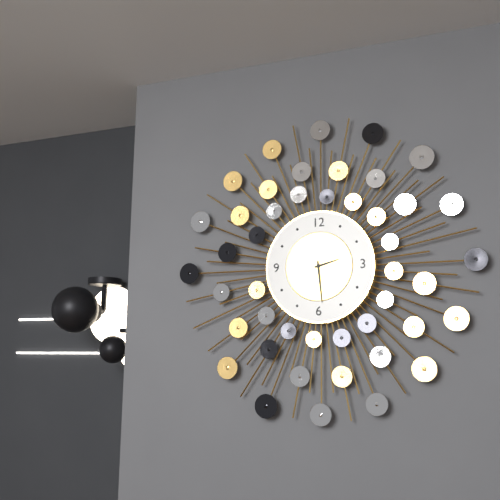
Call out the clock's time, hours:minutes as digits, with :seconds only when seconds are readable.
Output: 2:29
